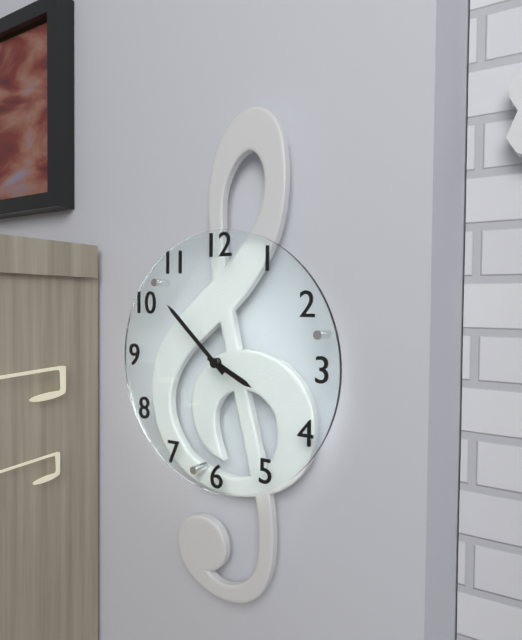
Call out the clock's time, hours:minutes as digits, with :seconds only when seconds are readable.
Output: 3:52
